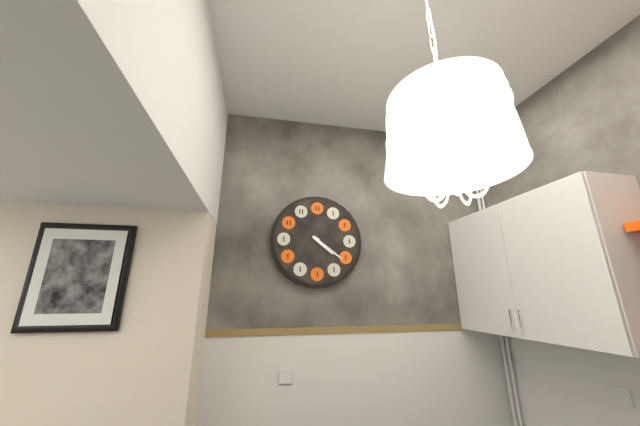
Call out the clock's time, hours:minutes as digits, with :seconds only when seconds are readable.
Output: 4:21
